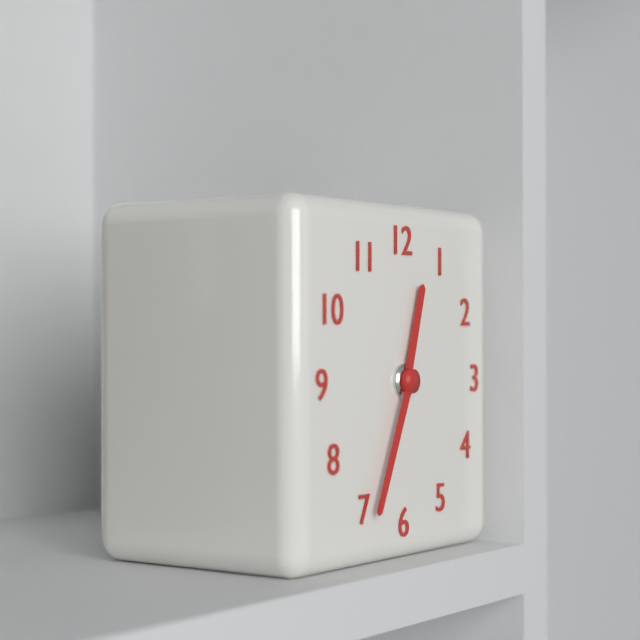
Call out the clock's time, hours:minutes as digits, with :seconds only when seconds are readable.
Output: 12:34
